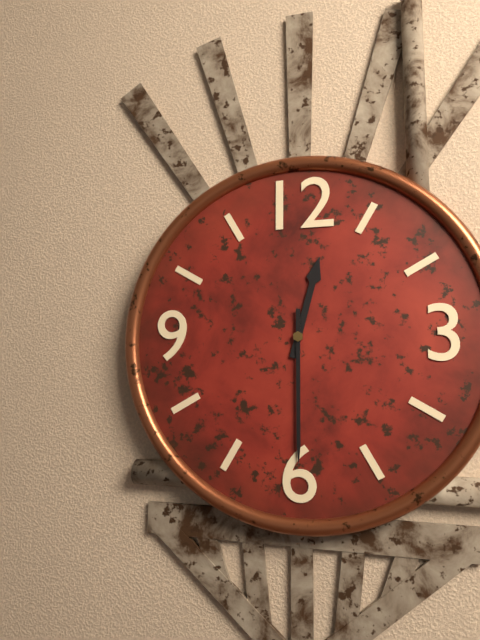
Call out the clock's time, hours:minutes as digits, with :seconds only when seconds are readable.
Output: 12:30
